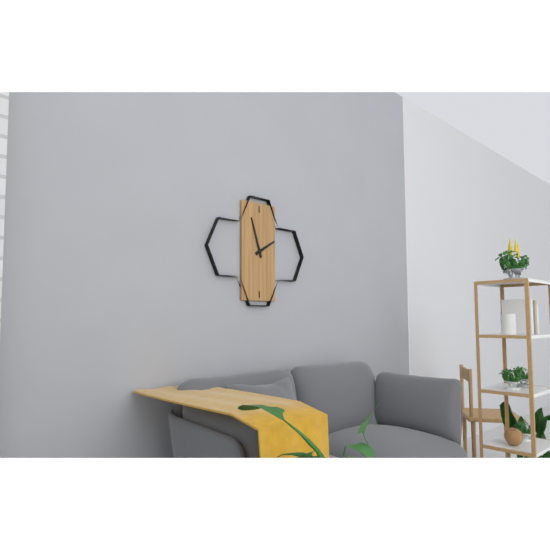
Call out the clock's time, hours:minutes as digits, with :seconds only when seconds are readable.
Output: 1:57
